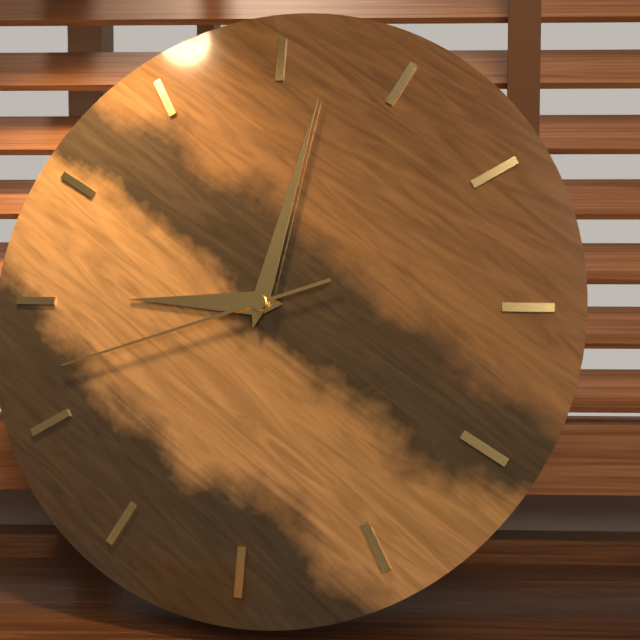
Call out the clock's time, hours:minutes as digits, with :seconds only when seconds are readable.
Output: 9:02:42
